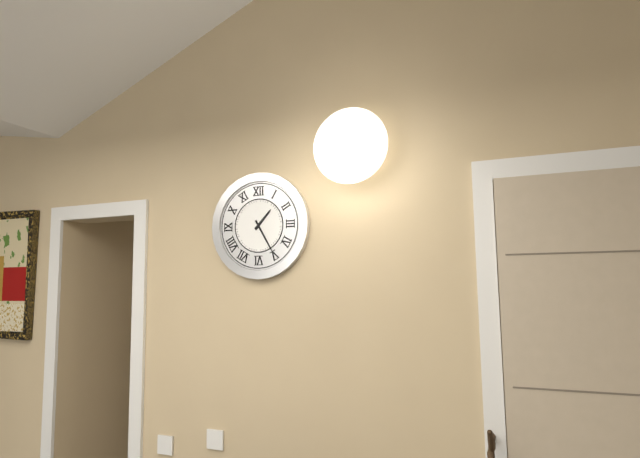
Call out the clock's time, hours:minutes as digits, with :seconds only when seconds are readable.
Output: 1:25
